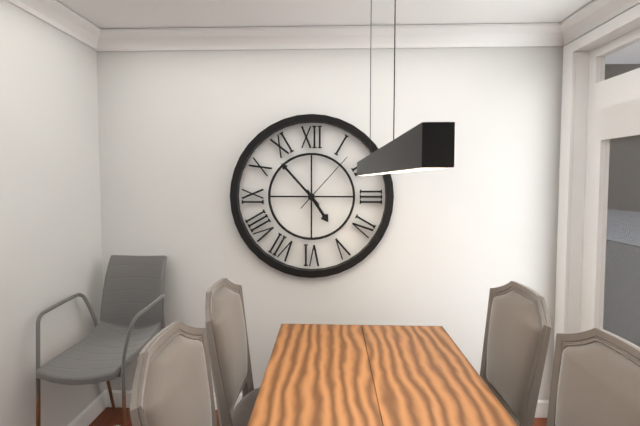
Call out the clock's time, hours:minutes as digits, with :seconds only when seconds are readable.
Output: 4:53:07
